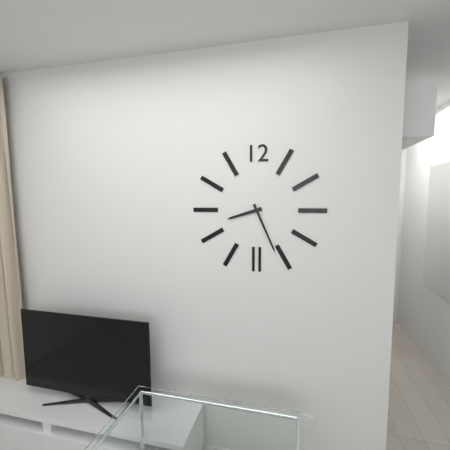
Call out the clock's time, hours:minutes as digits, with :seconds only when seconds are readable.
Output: 8:26
